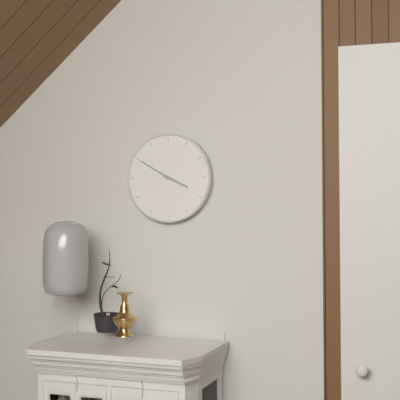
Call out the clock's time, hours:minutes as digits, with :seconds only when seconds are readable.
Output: 3:50
